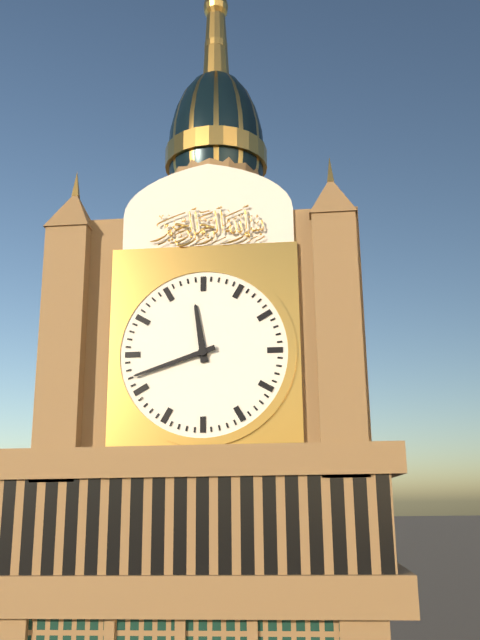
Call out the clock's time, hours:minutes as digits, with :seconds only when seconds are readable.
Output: 11:42
